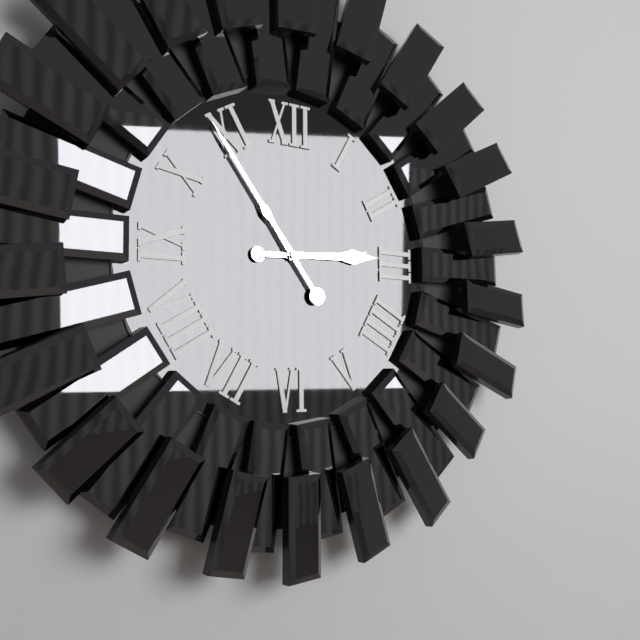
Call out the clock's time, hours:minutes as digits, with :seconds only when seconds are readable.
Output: 2:54:14
